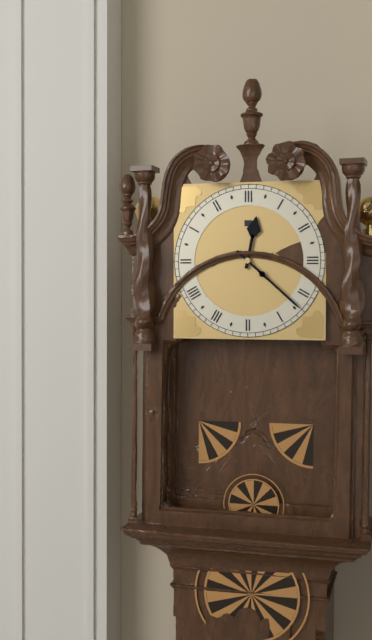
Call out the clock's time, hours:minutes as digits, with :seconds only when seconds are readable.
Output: 12:22
